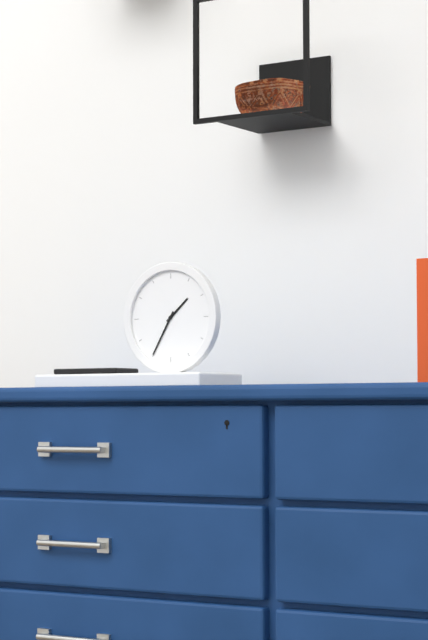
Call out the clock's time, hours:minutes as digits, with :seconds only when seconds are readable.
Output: 1:35
